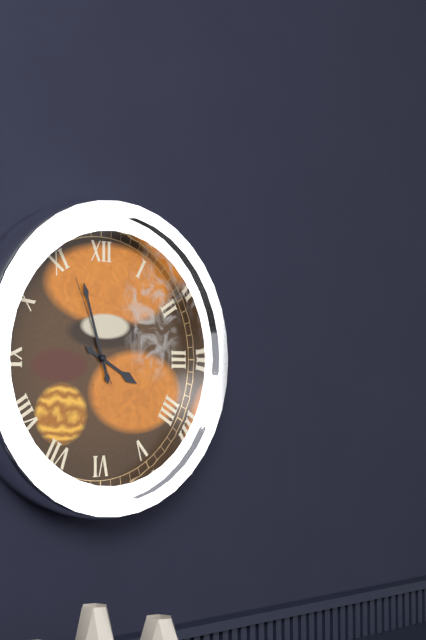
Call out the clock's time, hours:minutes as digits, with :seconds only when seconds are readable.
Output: 3:57:56
